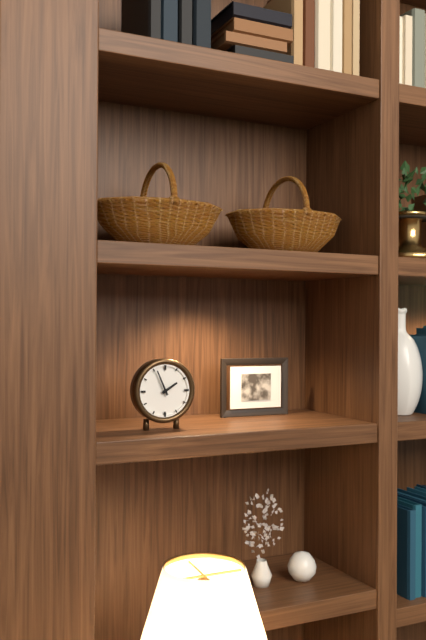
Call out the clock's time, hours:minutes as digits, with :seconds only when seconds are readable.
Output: 1:56
